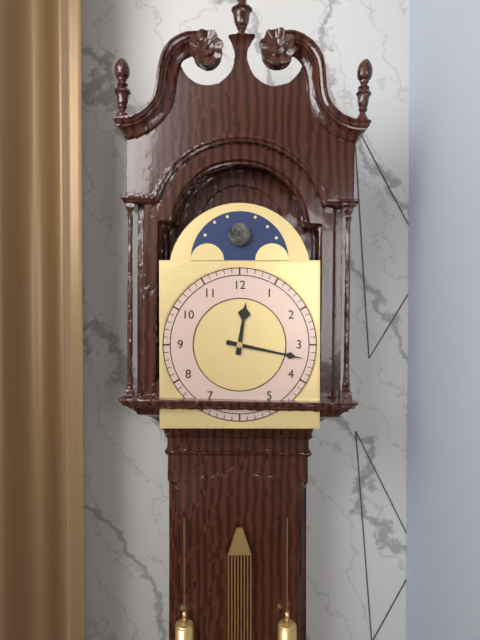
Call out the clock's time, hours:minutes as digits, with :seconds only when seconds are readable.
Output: 12:17
